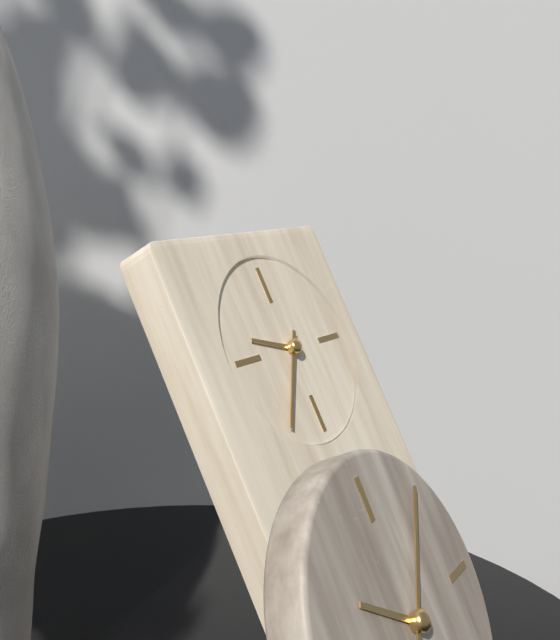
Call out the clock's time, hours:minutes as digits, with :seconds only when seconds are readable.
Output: 9:36
